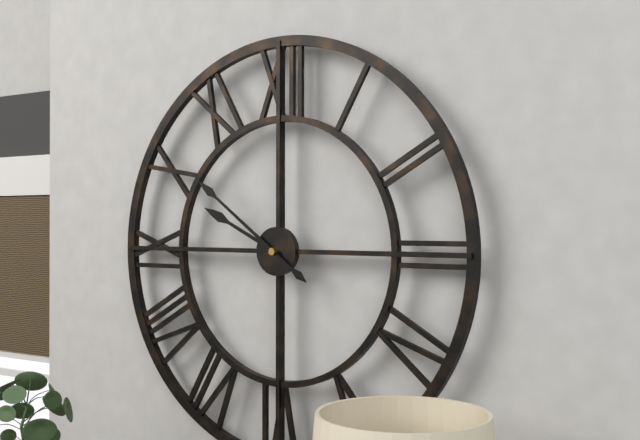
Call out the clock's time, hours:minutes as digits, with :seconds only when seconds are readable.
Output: 9:51
